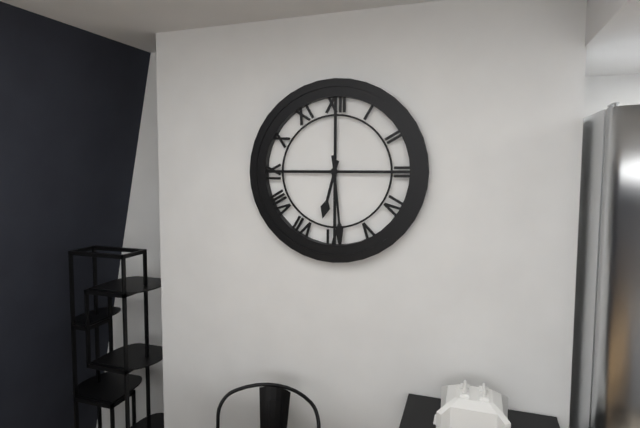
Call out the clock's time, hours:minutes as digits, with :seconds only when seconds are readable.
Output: 6:29
